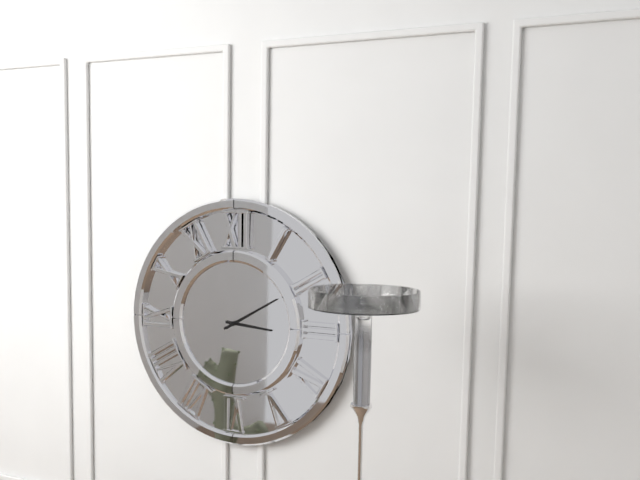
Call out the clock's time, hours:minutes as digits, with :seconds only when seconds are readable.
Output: 3:10
